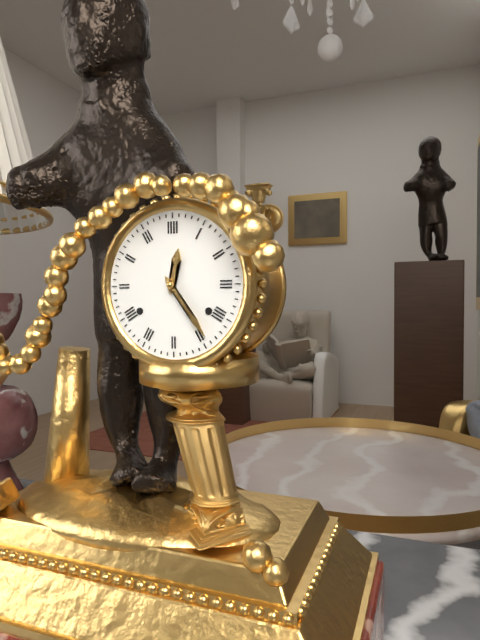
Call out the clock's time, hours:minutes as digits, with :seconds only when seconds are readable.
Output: 12:24
